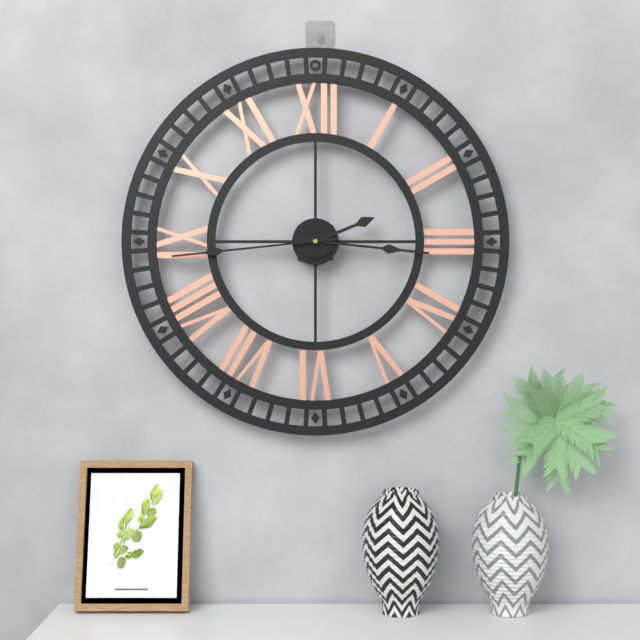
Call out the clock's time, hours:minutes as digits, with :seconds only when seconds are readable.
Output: 2:16:44
